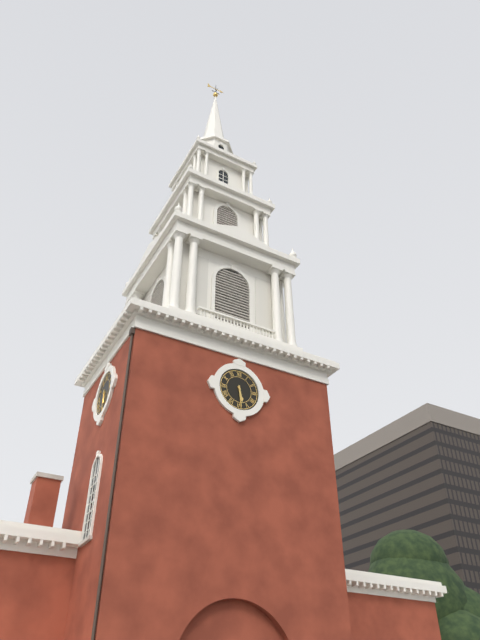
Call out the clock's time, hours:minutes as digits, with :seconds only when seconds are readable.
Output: 5:29
